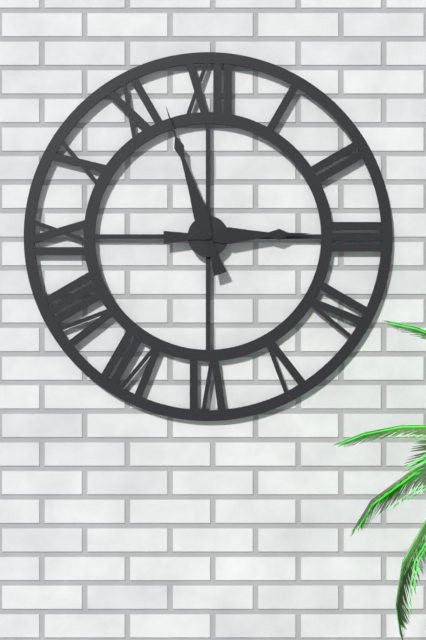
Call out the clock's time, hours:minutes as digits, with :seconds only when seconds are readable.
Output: 2:57
